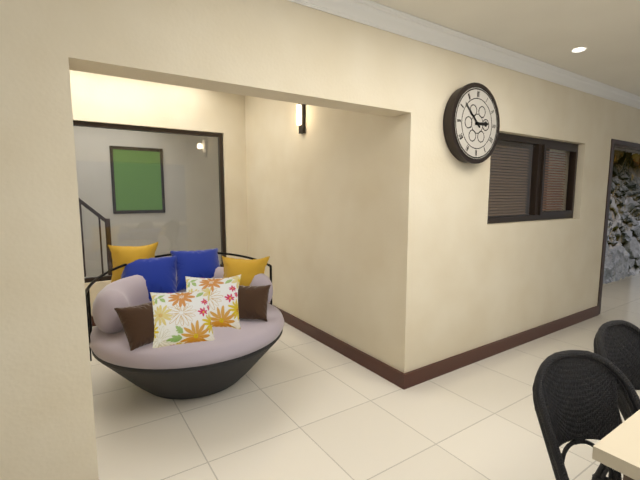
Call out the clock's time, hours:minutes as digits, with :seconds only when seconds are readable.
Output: 2:52
